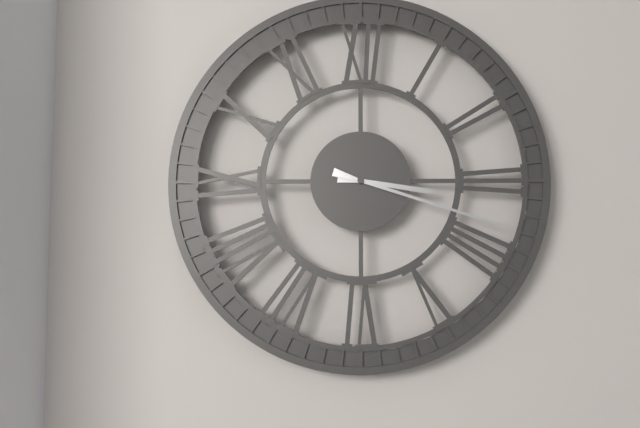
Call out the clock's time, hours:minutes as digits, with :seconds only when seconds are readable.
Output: 3:18
